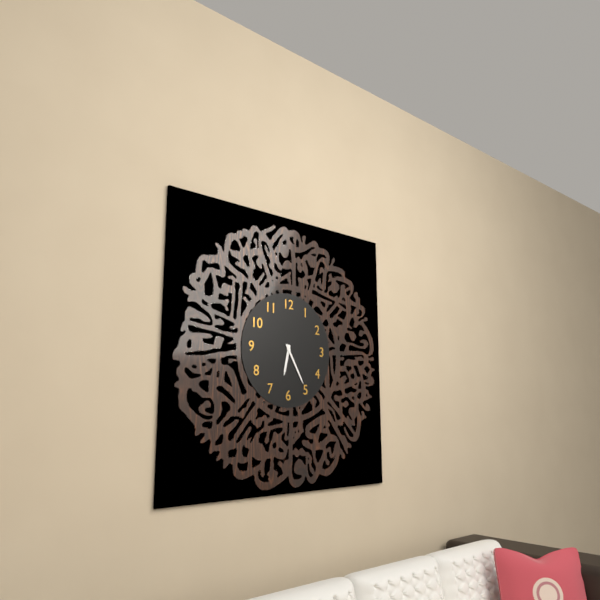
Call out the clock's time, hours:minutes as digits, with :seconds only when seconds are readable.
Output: 6:25
